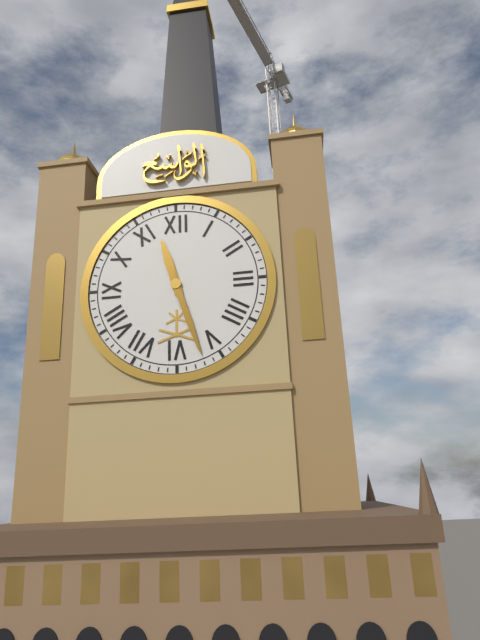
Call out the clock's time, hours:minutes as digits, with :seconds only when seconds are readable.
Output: 11:27
